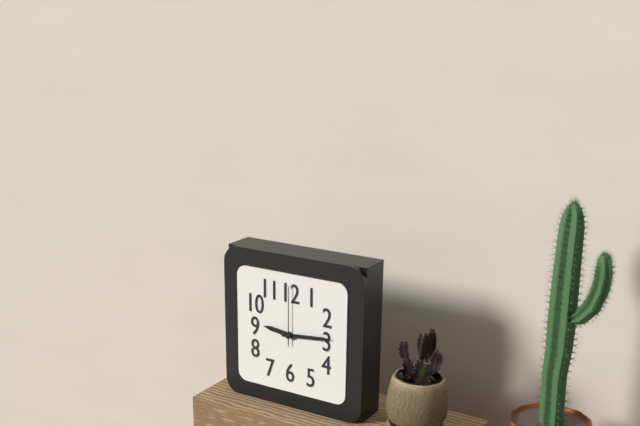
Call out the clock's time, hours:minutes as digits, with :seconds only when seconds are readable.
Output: 9:14:00
